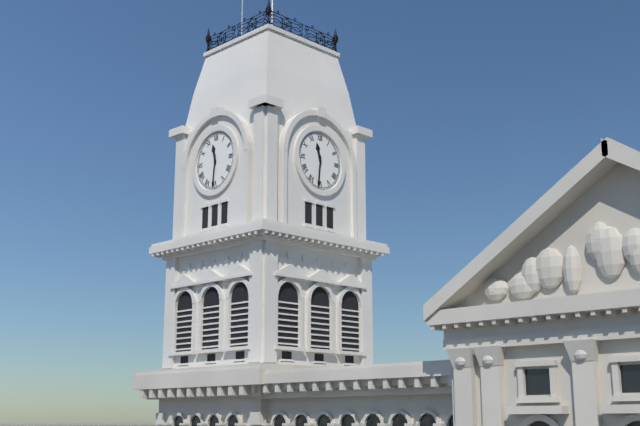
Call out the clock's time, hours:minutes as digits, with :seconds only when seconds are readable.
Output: 11:31
